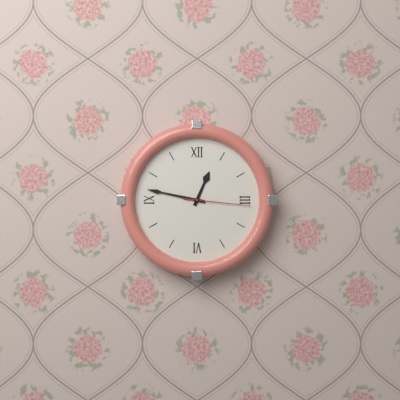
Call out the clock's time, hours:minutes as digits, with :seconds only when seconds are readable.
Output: 12:47:16
